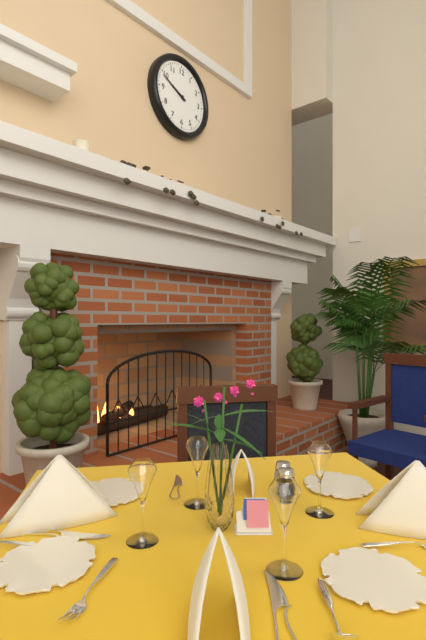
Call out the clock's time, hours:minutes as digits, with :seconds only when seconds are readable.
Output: 9:49
